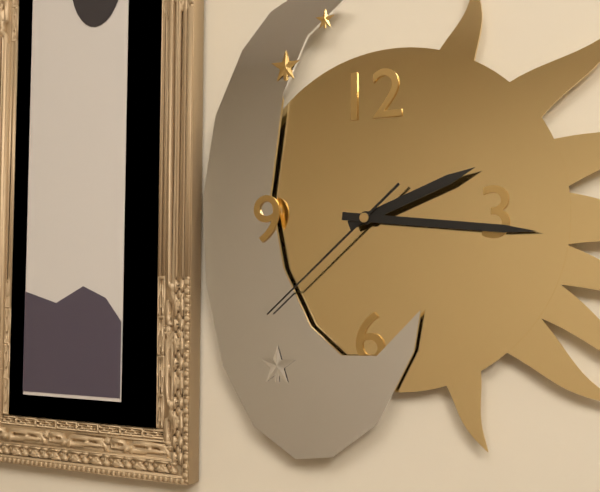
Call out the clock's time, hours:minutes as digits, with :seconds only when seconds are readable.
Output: 2:16:38
